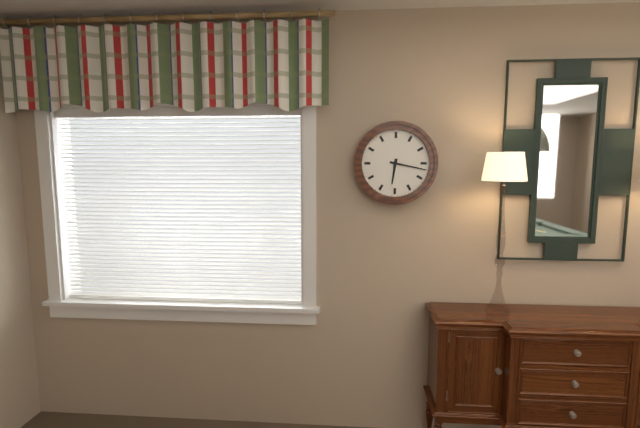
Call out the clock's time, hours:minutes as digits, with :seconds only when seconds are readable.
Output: 6:17
